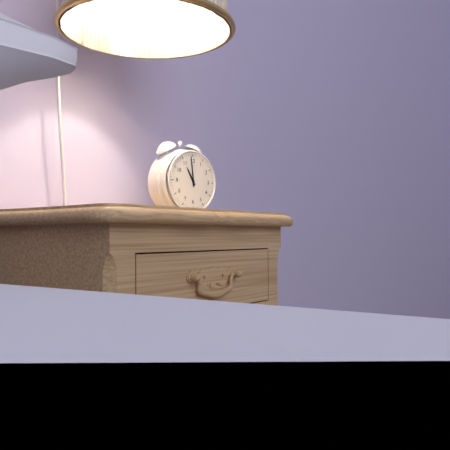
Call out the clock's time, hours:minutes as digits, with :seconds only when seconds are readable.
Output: 10:59
